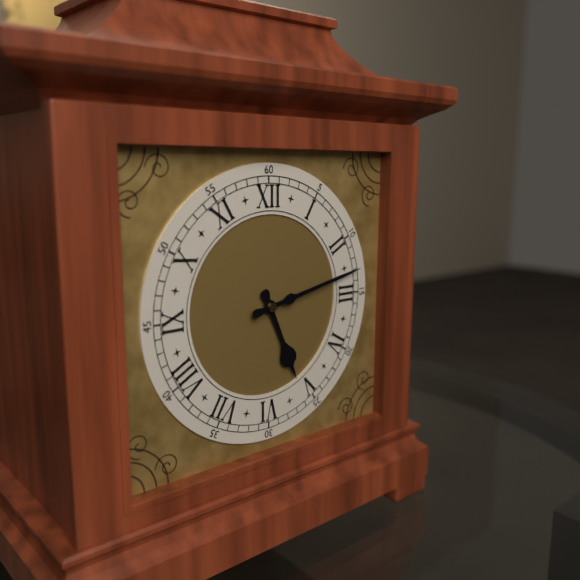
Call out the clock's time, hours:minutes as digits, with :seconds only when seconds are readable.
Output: 5:13
